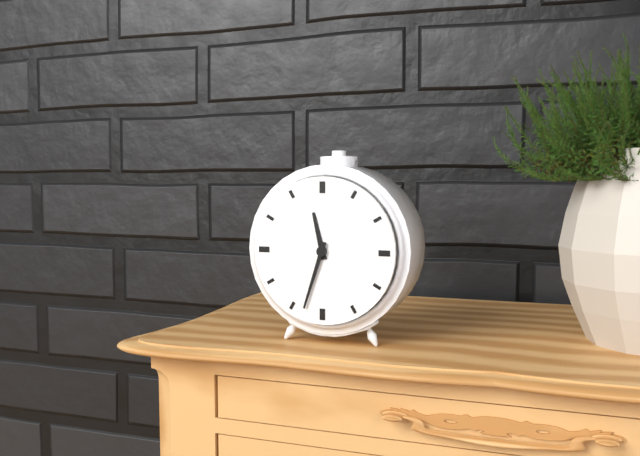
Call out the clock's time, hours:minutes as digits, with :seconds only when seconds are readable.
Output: 11:33
